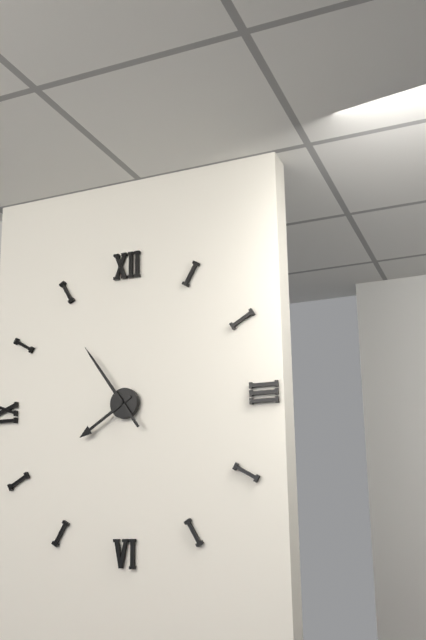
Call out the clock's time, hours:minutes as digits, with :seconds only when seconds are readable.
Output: 7:54
